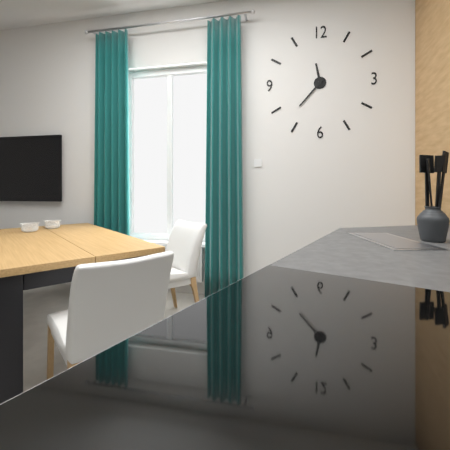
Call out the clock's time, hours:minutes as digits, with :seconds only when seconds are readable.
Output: 11:37
